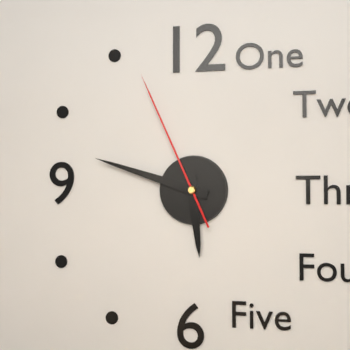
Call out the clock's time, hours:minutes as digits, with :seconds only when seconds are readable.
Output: 5:48:56
